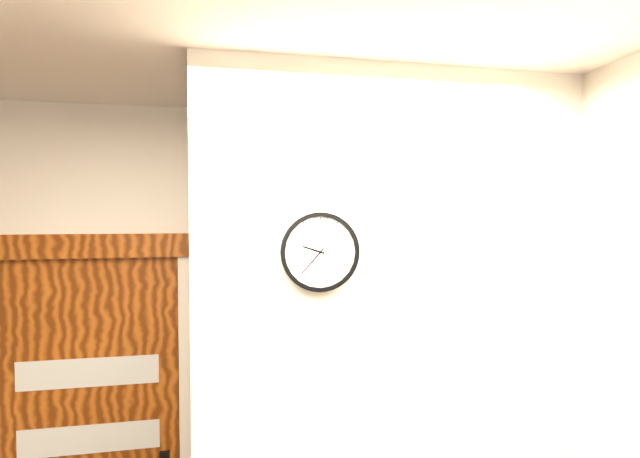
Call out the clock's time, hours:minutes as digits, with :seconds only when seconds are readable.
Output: 9:37
